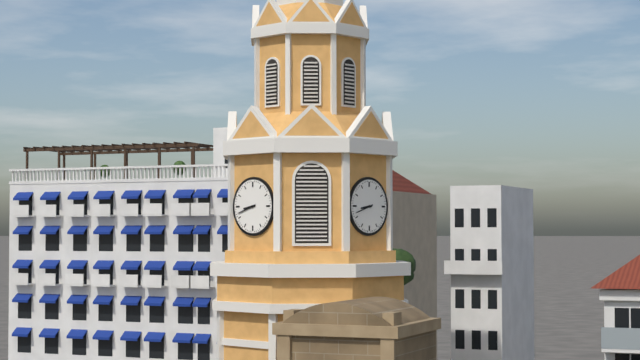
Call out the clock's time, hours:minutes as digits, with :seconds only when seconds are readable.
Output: 8:42
